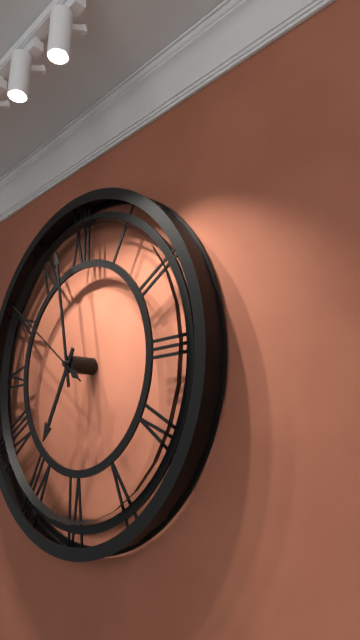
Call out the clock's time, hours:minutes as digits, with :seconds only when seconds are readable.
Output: 6:58:51
